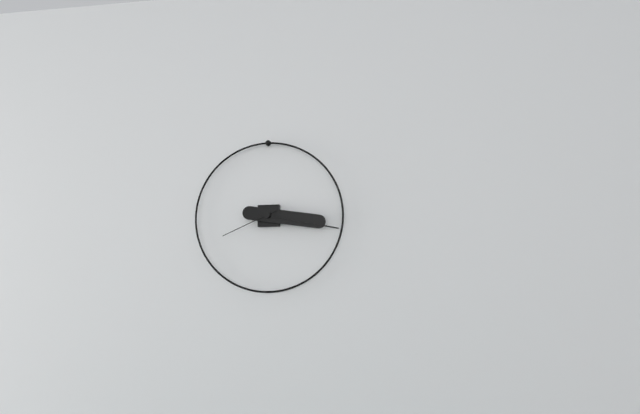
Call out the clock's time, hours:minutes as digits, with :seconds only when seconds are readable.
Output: 3:17:41
